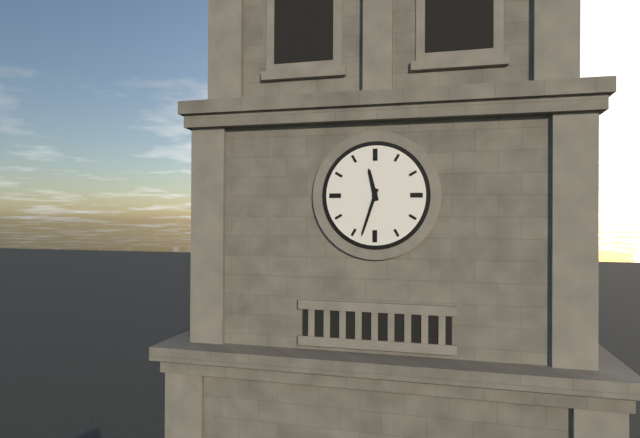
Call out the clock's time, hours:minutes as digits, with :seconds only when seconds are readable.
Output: 11:33
